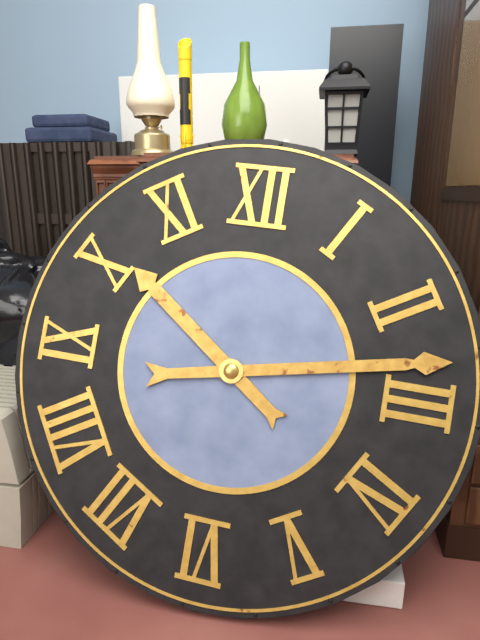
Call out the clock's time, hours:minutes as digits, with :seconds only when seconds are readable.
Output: 10:13
